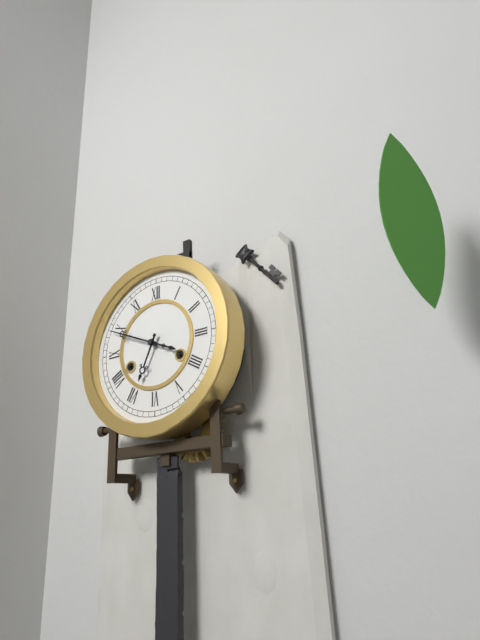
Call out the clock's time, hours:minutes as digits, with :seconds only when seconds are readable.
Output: 6:49
